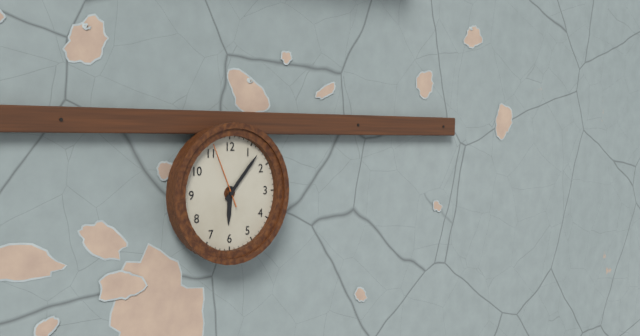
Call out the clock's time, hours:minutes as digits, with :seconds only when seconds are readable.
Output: 6:07:56
